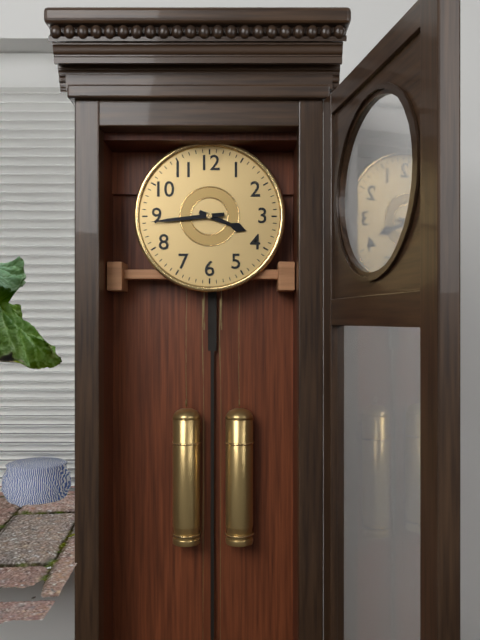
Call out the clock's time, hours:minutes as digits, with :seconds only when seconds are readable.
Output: 3:44
